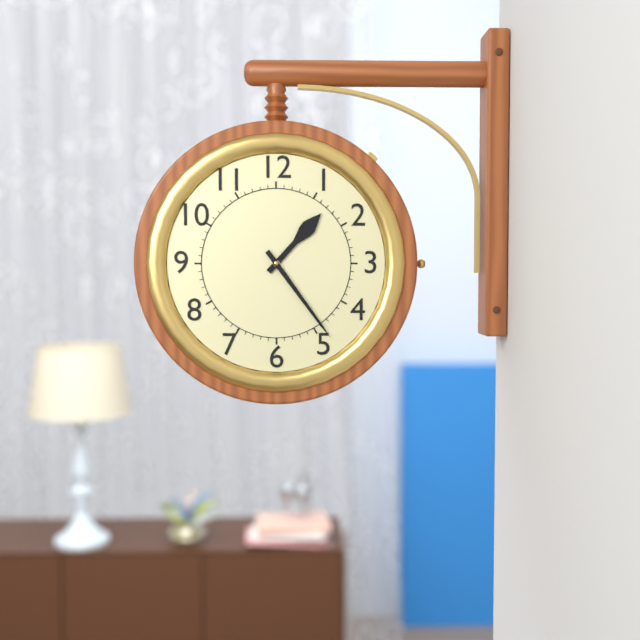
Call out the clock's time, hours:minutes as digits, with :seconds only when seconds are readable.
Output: 1:24
